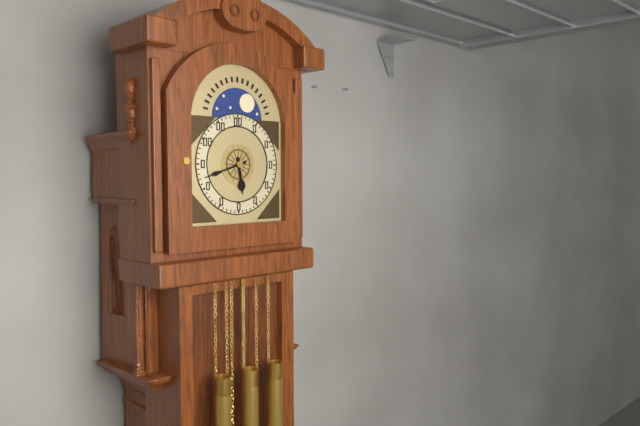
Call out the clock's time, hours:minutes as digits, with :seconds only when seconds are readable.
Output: 5:42
